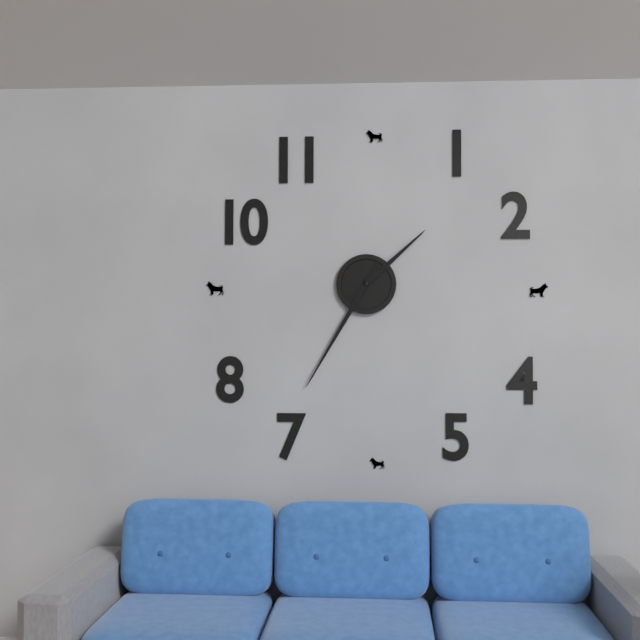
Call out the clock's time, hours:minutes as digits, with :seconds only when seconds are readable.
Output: 1:35
